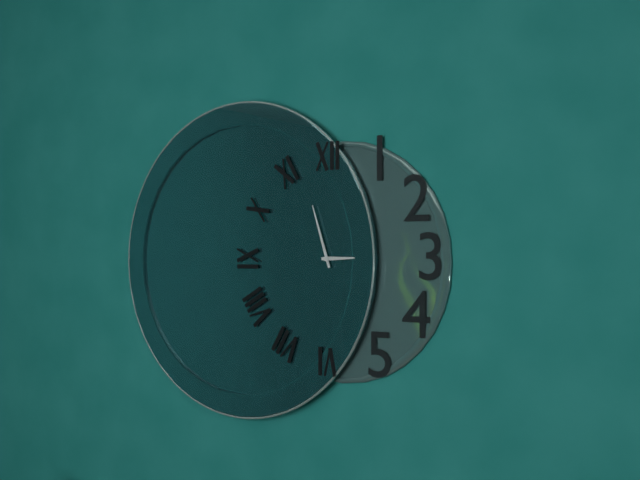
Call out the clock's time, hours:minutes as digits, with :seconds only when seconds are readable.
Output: 2:57
